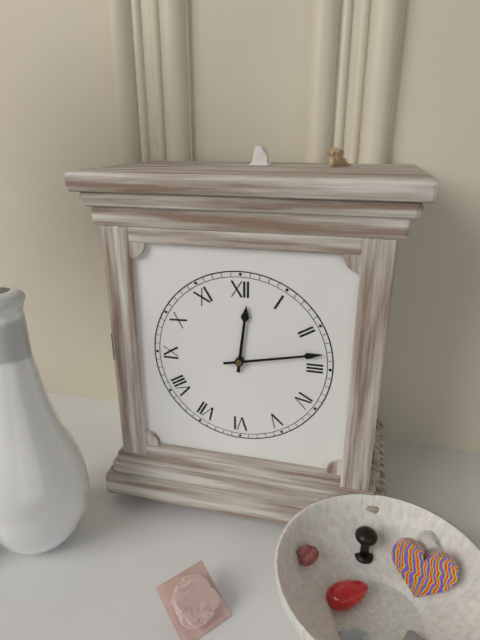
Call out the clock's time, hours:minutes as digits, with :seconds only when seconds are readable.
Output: 12:13
